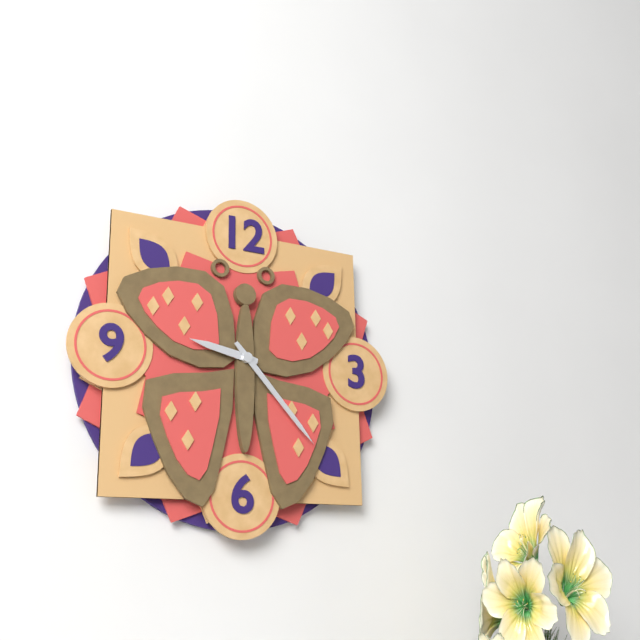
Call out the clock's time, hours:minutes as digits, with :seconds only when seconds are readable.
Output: 9:23
